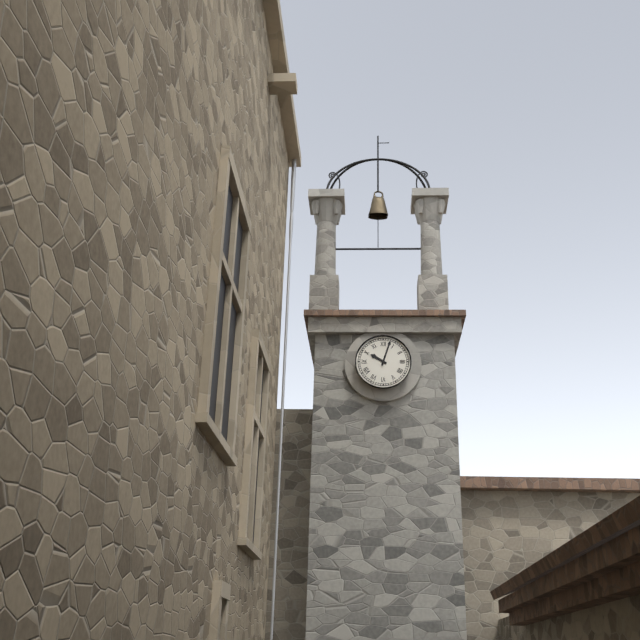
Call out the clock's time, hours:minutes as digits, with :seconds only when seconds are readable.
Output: 10:03
